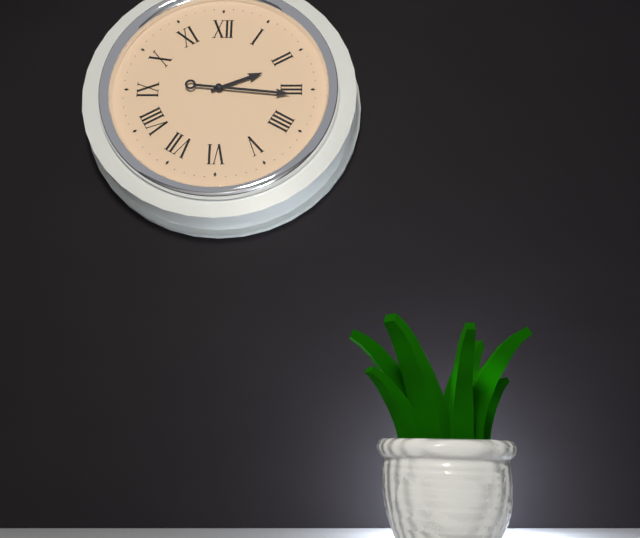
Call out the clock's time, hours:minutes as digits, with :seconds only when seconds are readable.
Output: 2:16
